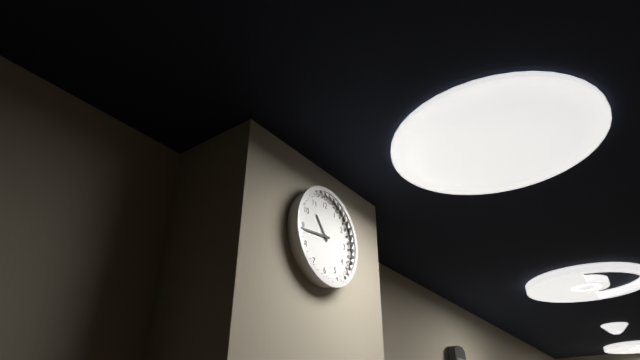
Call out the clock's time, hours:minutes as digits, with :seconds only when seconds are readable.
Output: 10:44
